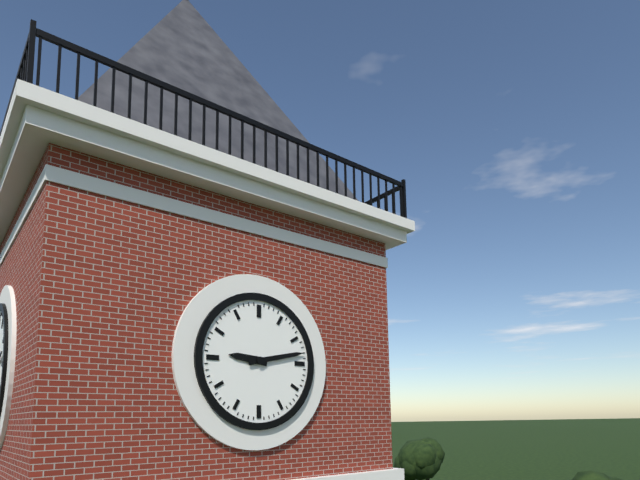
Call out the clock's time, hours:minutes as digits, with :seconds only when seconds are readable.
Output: 9:13
